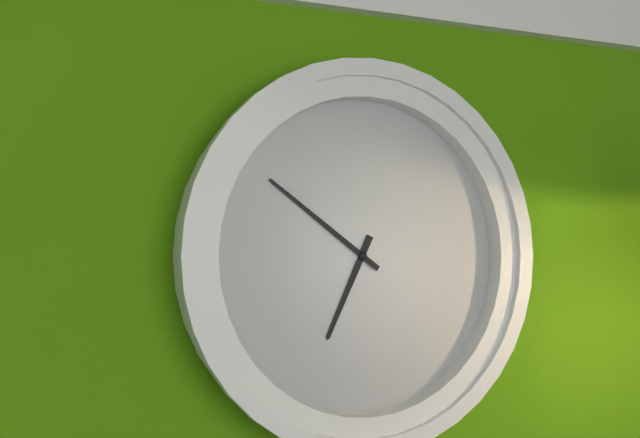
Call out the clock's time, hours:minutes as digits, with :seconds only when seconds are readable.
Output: 6:51
